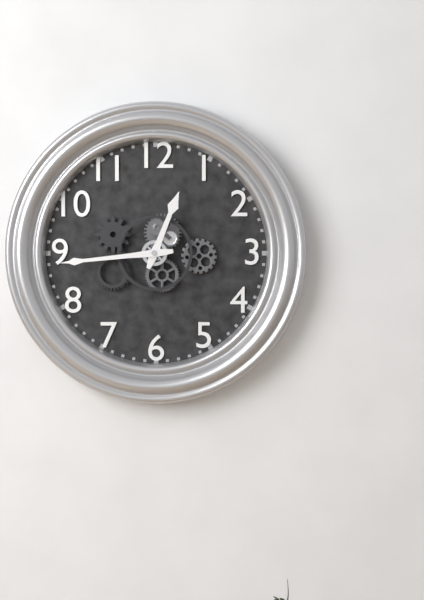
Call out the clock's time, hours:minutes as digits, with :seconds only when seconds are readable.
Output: 12:44
